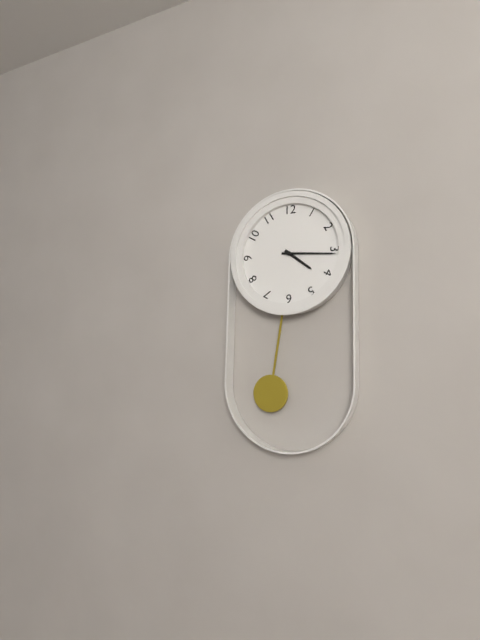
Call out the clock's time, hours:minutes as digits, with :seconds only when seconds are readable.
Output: 4:16
